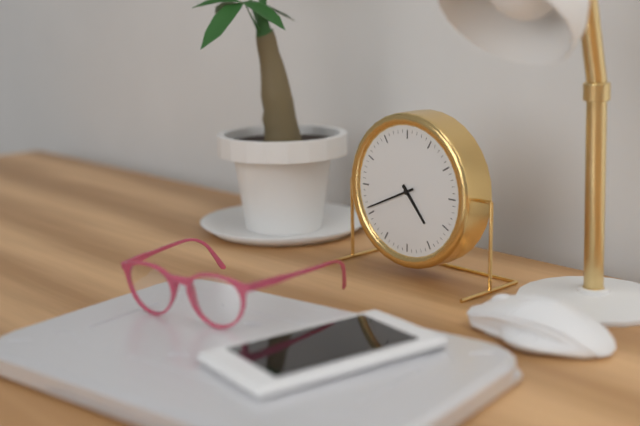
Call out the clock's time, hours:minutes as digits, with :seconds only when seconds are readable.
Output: 4:41
